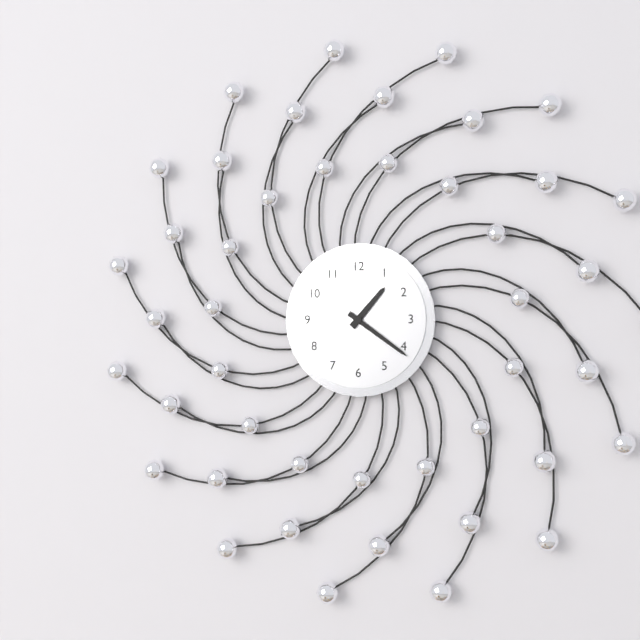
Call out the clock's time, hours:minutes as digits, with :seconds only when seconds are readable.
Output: 1:21
